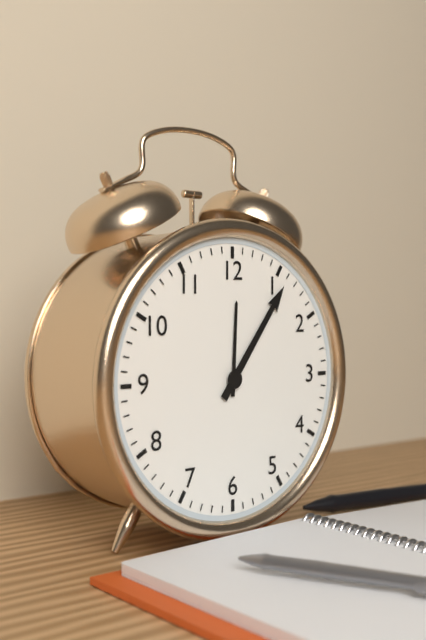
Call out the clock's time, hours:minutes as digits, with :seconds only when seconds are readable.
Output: 12:06
